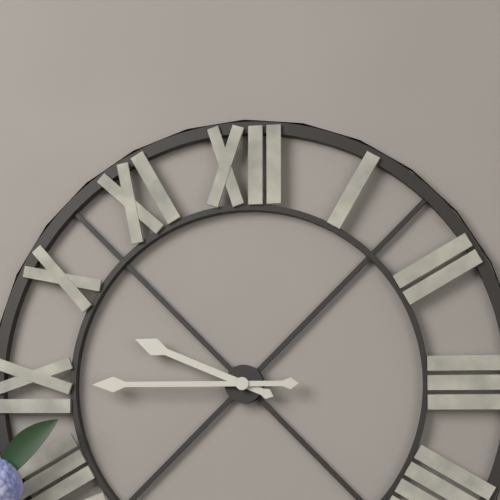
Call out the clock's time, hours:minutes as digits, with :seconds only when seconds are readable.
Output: 9:45
